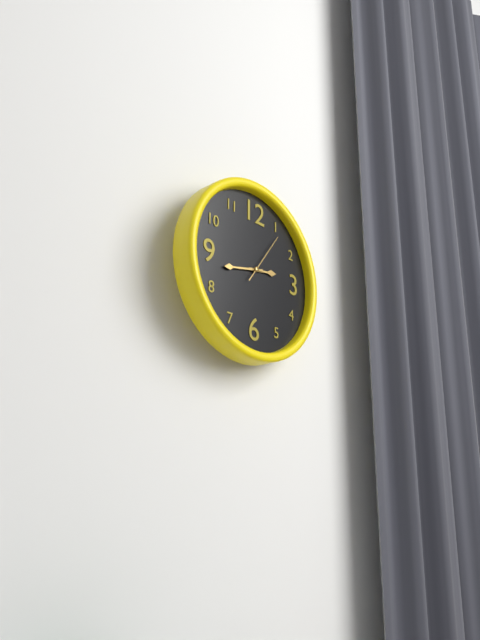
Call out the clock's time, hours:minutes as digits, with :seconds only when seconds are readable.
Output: 2:43
